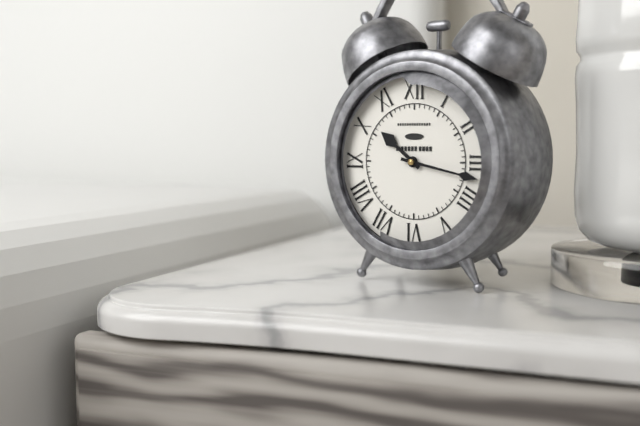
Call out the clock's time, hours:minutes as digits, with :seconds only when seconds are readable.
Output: 10:17
